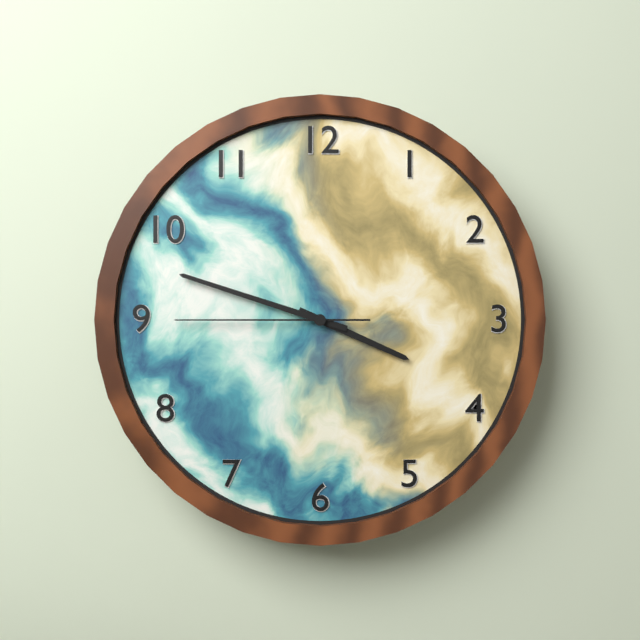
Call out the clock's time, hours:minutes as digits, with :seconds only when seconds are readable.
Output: 3:48:45
